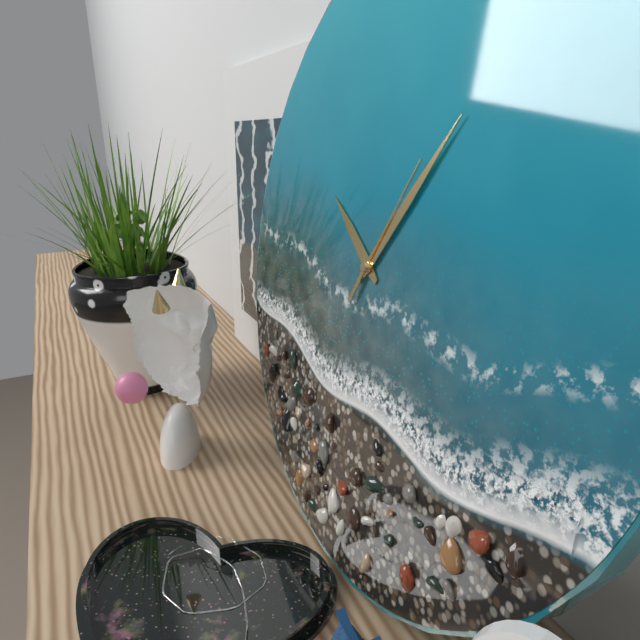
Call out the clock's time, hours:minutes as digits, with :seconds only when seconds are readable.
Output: 10:06:05
